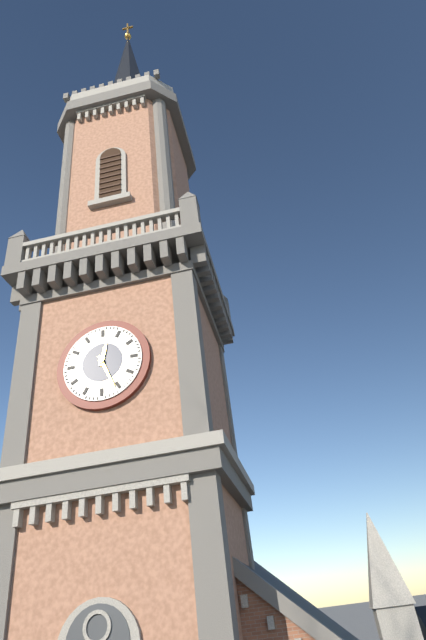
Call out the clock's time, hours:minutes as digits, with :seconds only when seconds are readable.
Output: 12:26
